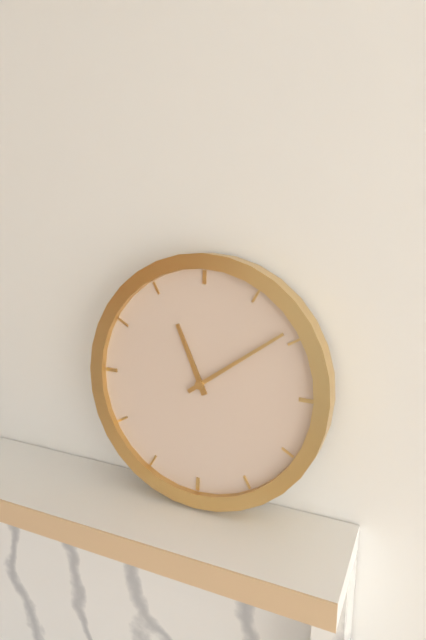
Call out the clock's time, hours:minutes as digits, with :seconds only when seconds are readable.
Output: 11:09
